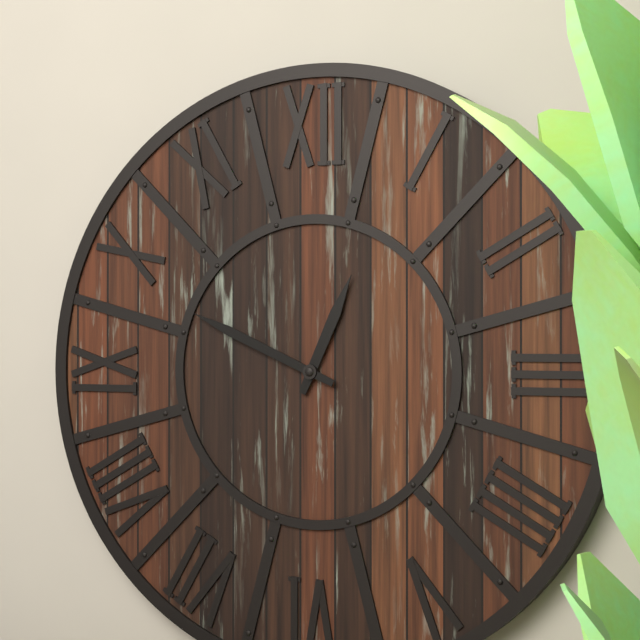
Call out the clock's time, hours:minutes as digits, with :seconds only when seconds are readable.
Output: 12:49
